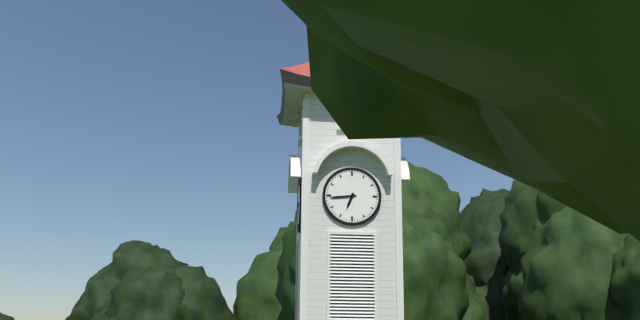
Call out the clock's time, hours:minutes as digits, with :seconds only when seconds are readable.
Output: 6:44
